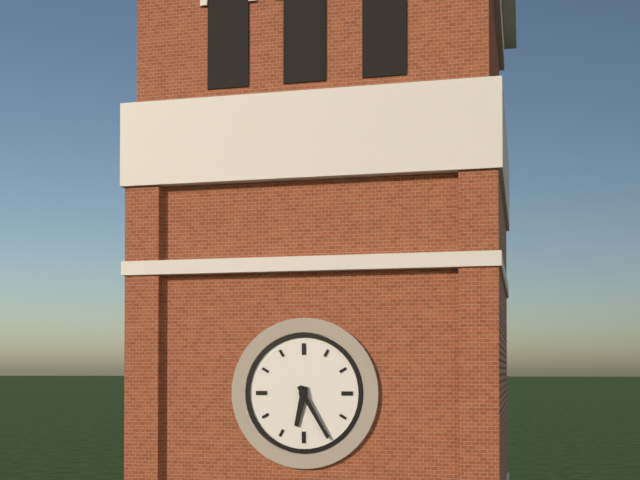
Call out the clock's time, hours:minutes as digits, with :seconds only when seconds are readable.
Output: 6:25
